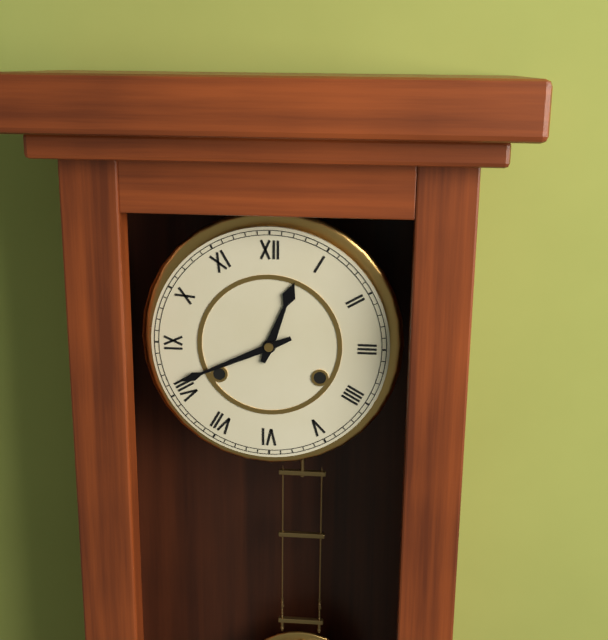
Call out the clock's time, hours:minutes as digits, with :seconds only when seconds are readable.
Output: 12:41
